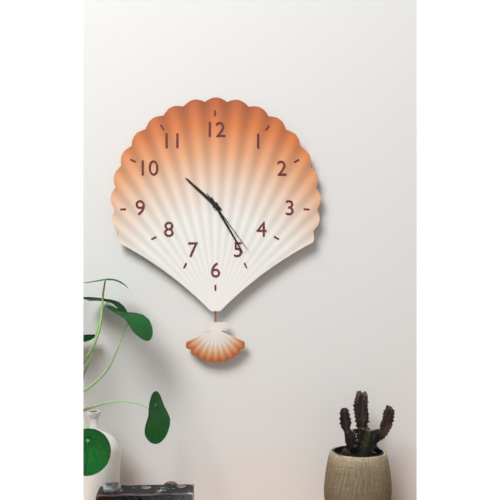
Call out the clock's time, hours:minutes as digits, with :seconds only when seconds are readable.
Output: 10:25:24
